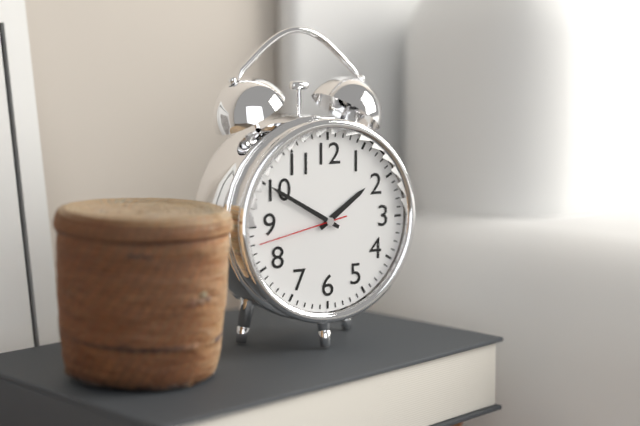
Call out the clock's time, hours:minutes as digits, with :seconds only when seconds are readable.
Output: 1:50:43
